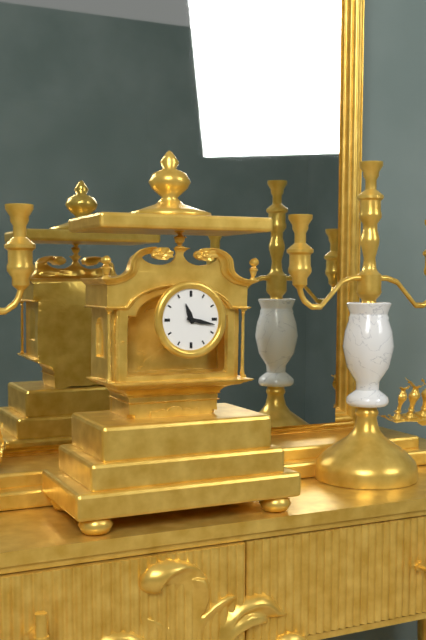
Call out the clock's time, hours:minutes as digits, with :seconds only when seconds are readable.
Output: 11:17
